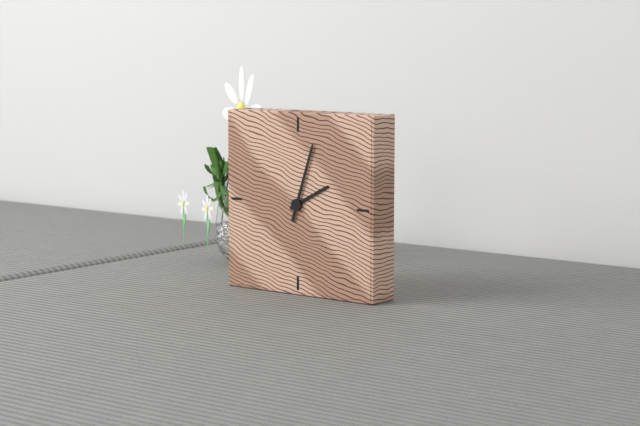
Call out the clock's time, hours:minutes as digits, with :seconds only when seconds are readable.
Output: 2:03
